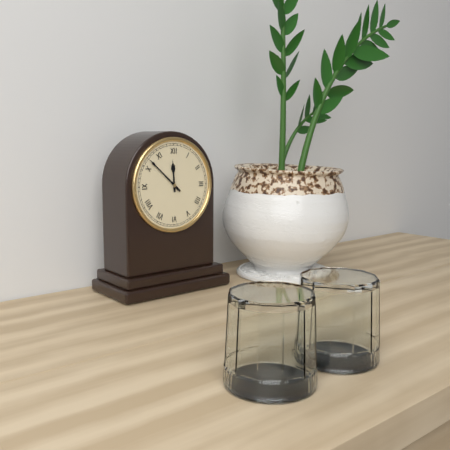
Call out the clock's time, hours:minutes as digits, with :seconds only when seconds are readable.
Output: 11:52
